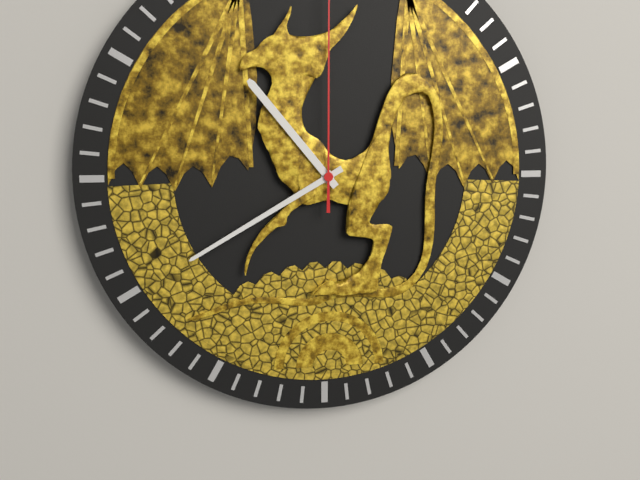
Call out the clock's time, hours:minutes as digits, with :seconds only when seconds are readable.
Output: 10:40
